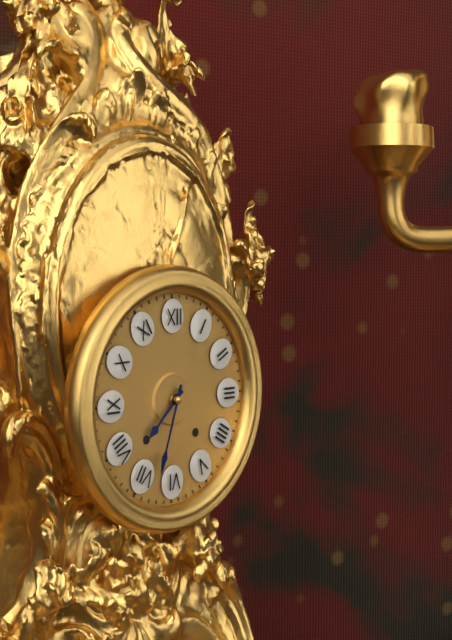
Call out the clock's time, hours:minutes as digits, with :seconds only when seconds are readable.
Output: 7:33
